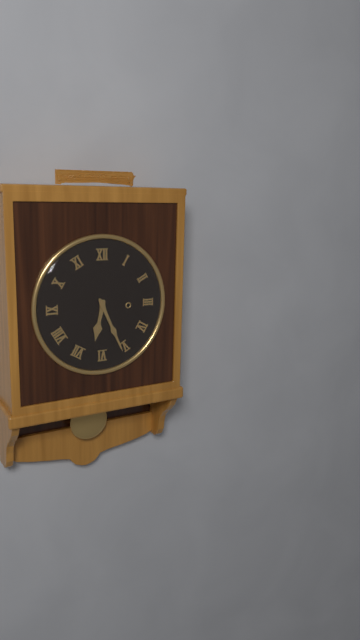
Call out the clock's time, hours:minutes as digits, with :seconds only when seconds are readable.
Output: 6:26
